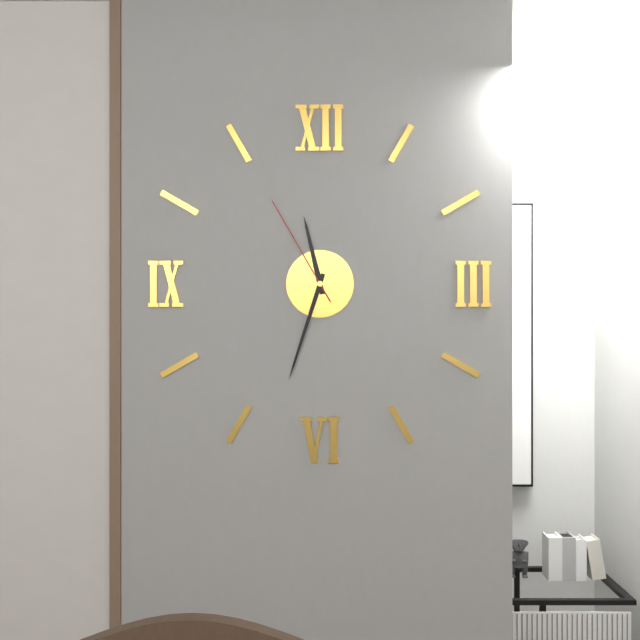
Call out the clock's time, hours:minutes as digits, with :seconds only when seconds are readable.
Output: 11:33:55
